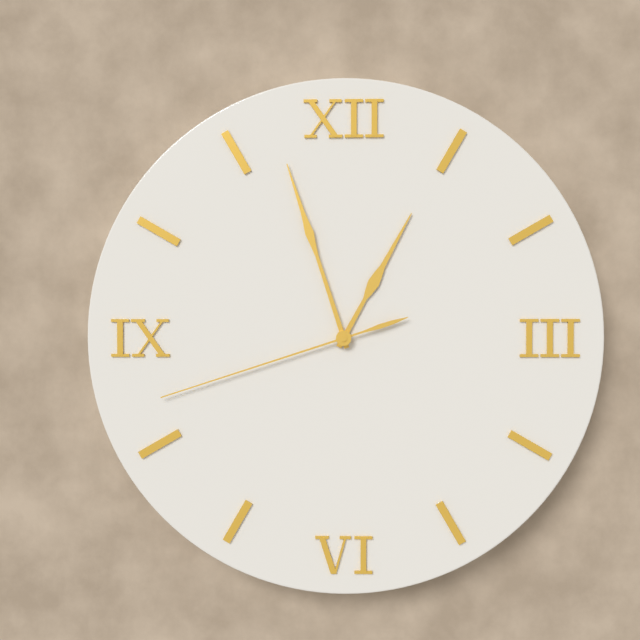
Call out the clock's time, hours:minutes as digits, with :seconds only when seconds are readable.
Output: 12:57:42
